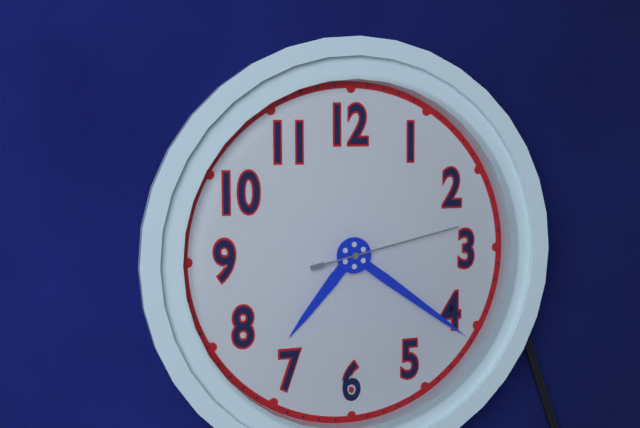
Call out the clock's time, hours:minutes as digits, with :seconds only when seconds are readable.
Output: 7:21:13
